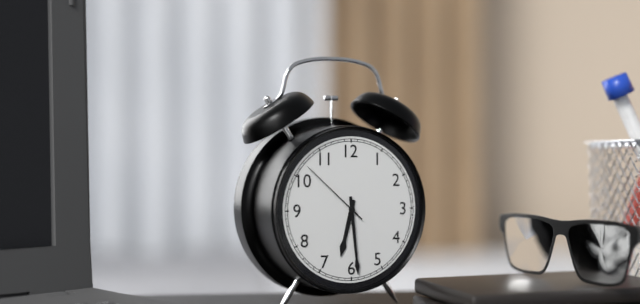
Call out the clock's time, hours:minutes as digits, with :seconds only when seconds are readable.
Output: 6:29:52
